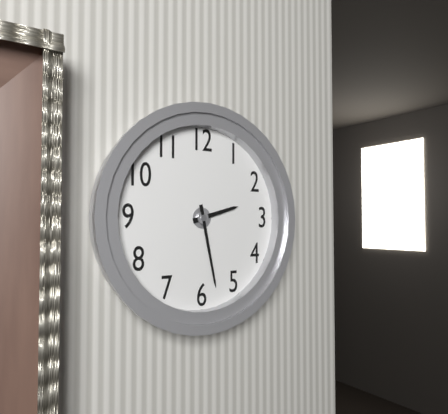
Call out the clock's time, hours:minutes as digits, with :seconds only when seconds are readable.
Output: 2:28
